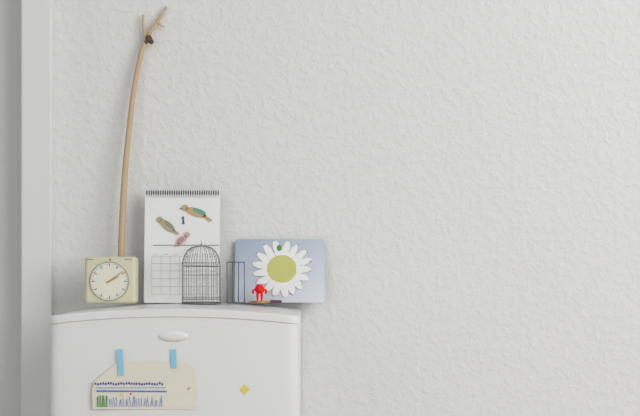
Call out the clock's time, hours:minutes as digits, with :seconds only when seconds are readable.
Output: 2:09
